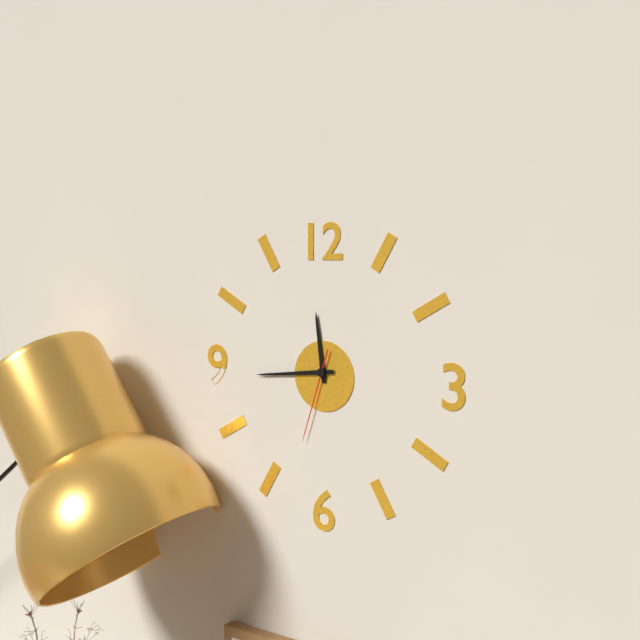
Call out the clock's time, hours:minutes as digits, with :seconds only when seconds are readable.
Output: 11:44:33
